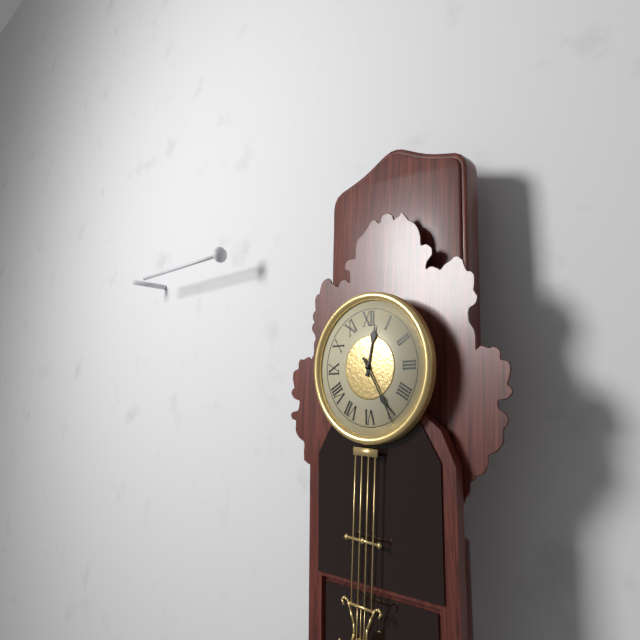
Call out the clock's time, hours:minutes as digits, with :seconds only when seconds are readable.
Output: 12:25
